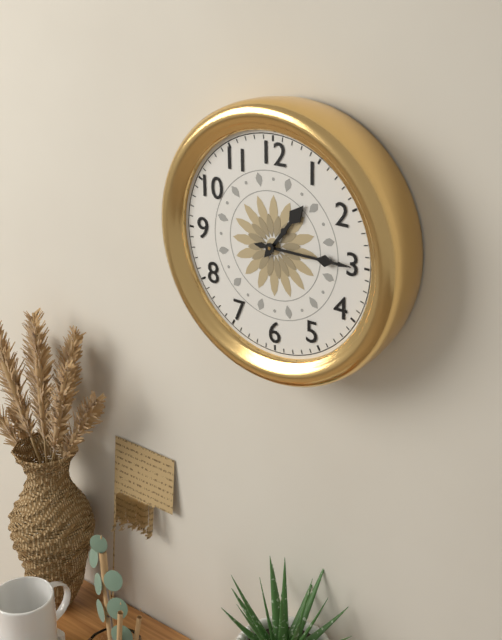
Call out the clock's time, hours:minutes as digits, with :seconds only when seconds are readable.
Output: 1:15
